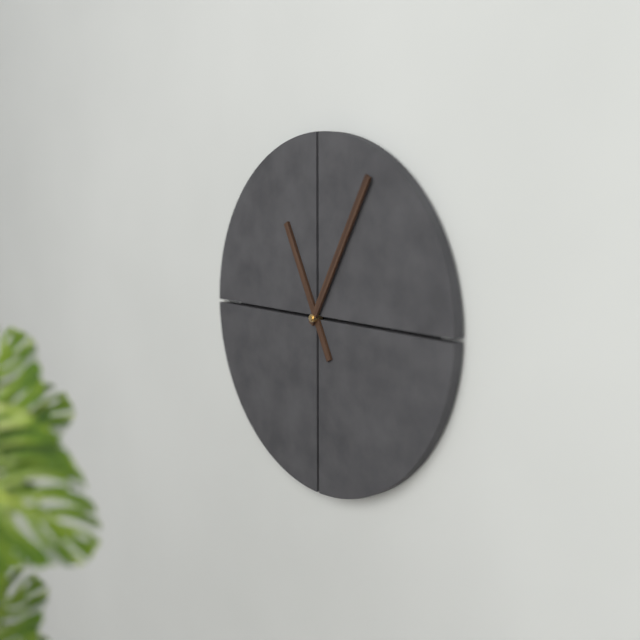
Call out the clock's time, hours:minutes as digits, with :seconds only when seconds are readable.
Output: 11:05
